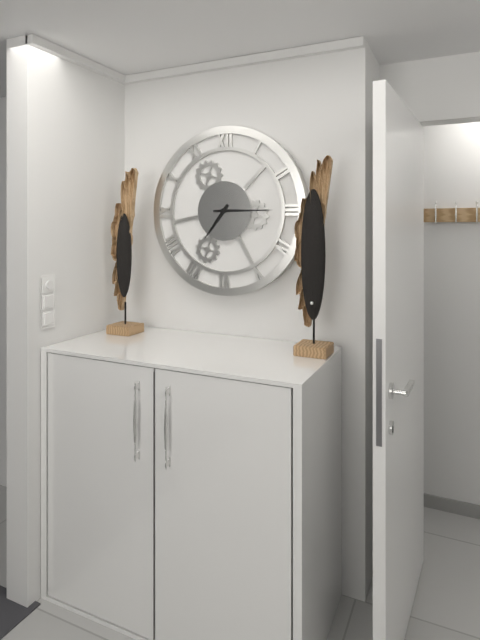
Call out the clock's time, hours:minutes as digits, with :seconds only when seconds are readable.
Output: 7:15
